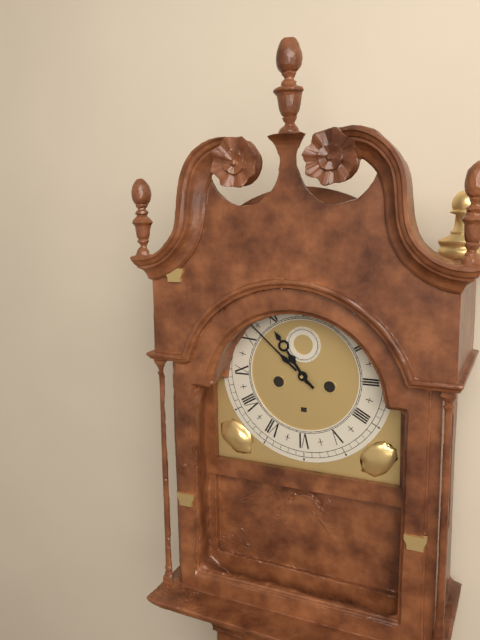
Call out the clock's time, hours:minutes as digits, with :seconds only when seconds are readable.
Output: 10:52
